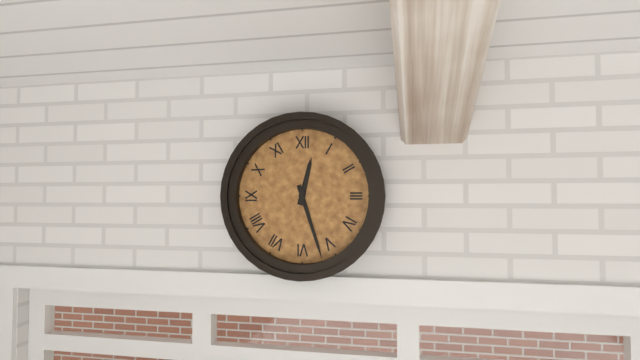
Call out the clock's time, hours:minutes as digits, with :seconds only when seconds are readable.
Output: 12:27
